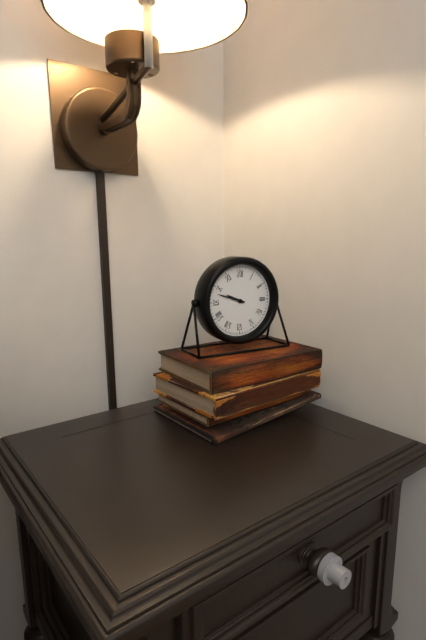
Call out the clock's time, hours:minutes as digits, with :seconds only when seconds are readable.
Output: 9:48
